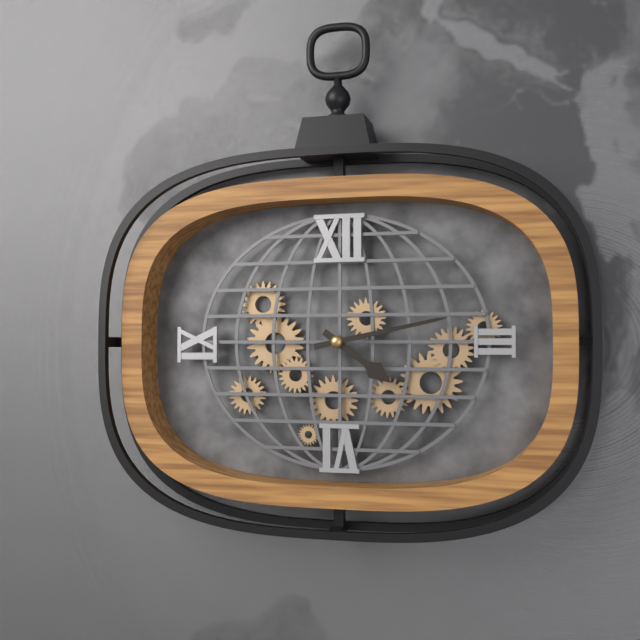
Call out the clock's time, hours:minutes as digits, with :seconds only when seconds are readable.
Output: 4:13
